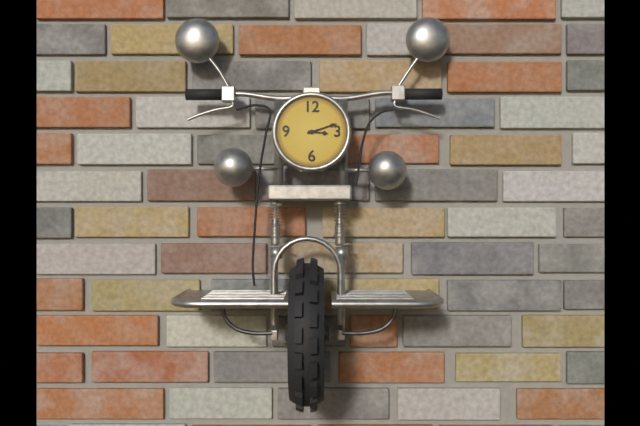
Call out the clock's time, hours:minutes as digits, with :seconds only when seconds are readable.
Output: 3:12
